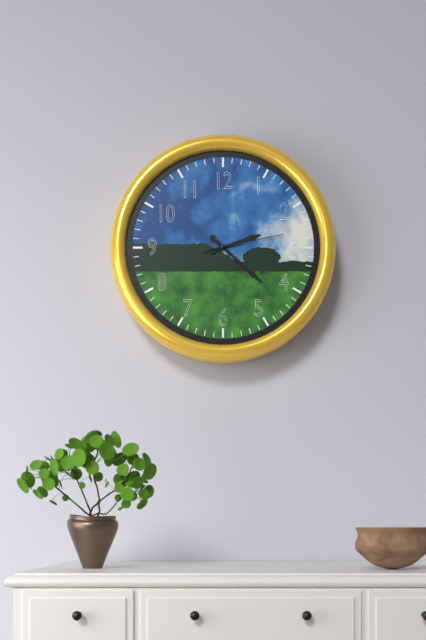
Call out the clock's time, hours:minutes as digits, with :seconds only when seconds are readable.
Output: 2:22:13
